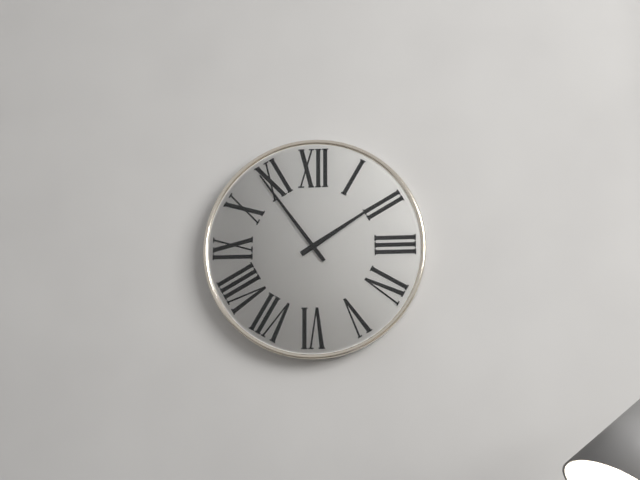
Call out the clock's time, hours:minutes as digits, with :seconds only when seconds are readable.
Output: 1:54
